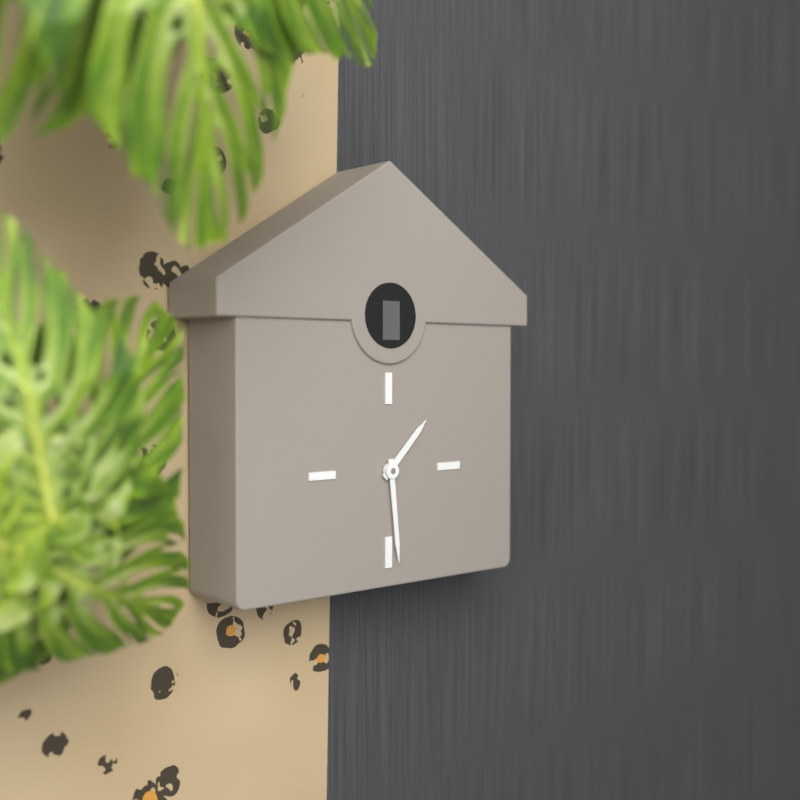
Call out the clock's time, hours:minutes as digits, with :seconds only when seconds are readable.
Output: 1:29
